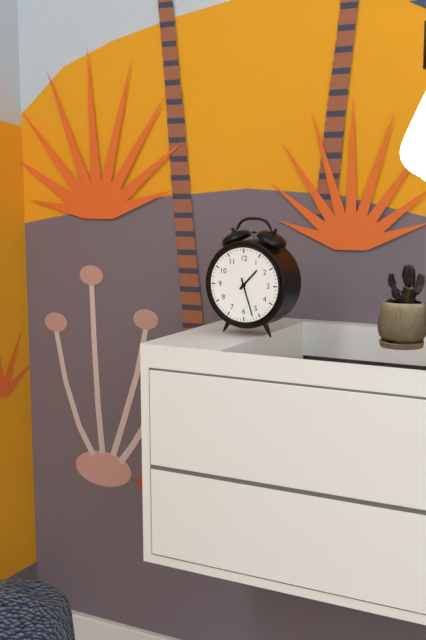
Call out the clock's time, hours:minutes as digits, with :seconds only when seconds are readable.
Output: 1:27
